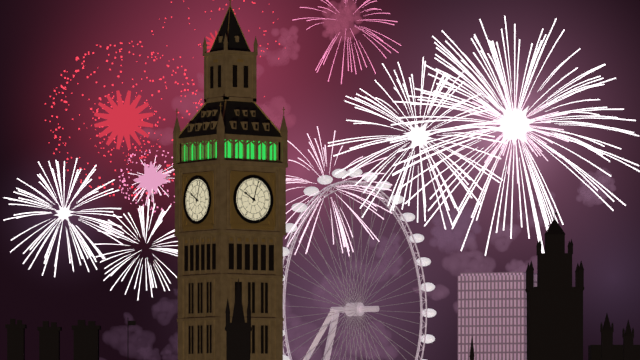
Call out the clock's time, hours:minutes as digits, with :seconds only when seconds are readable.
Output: 10:03
